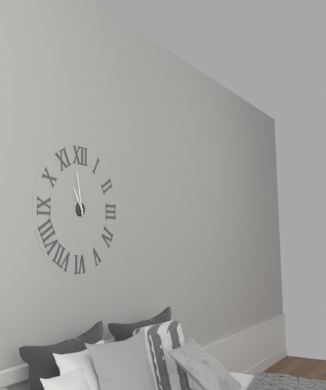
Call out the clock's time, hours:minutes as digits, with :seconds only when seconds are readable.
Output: 10:58
